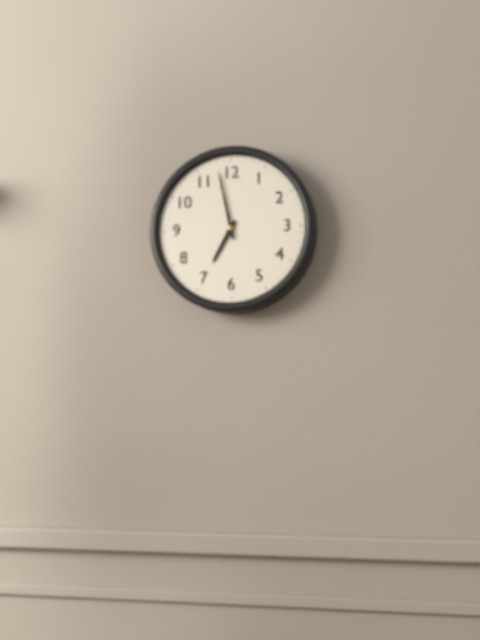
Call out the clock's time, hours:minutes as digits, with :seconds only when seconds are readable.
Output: 6:58
